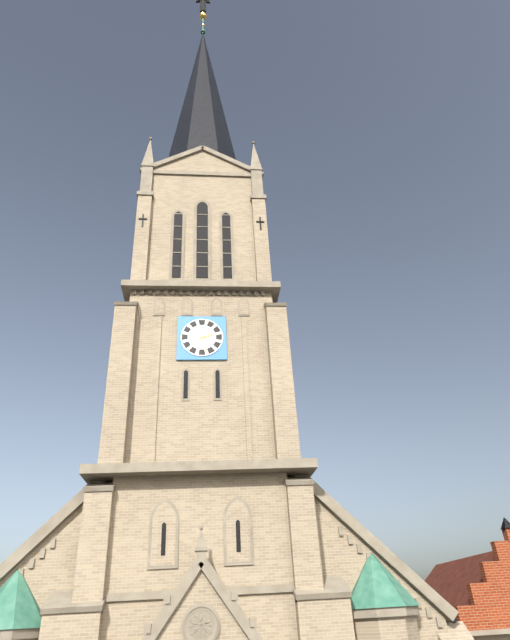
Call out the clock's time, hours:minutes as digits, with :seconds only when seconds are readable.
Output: 2:28
